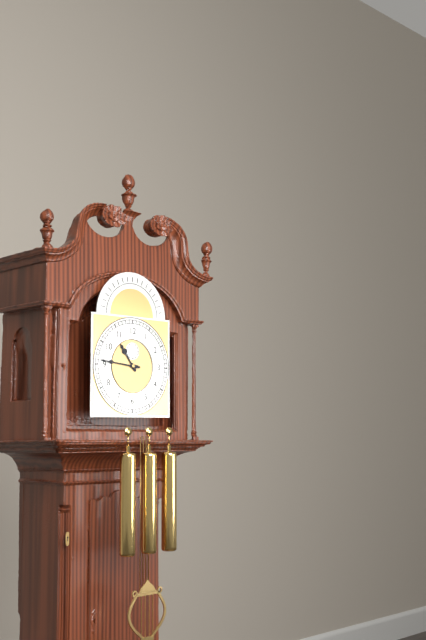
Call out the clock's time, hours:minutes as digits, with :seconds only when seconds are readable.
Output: 10:46
